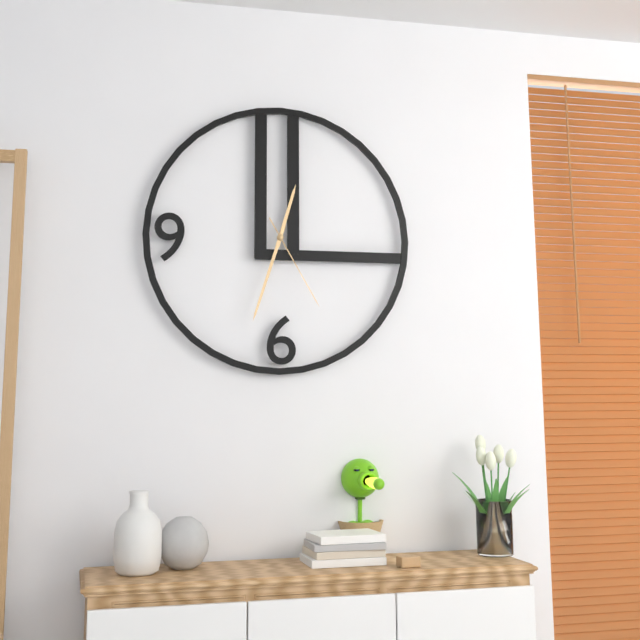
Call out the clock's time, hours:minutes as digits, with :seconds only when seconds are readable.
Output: 12:33:25
